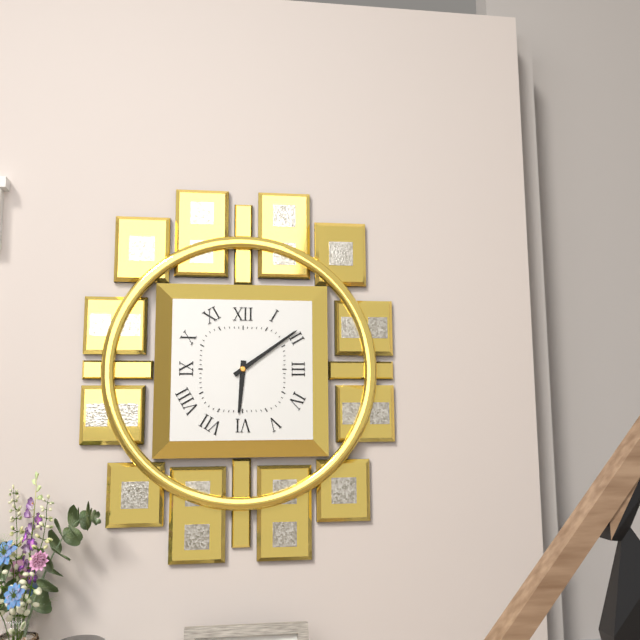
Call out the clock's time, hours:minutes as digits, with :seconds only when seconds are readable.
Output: 6:09
